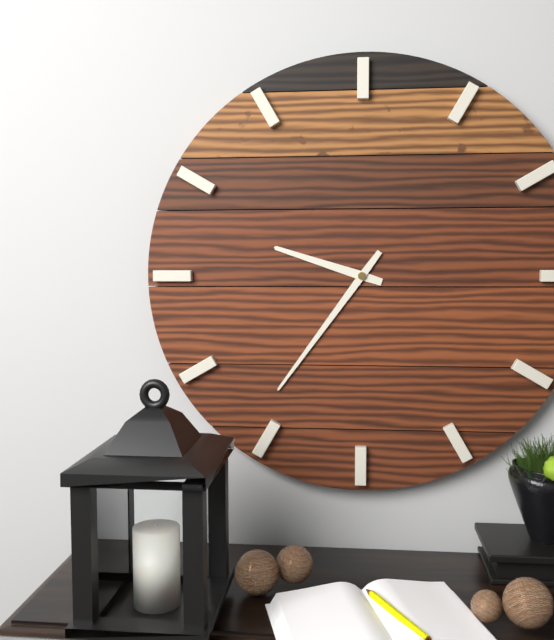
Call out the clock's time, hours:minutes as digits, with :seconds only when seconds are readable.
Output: 9:36
